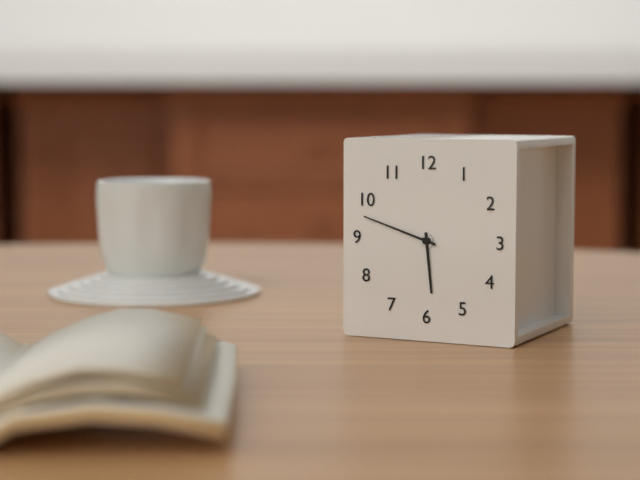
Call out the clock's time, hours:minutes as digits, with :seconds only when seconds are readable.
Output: 5:48
